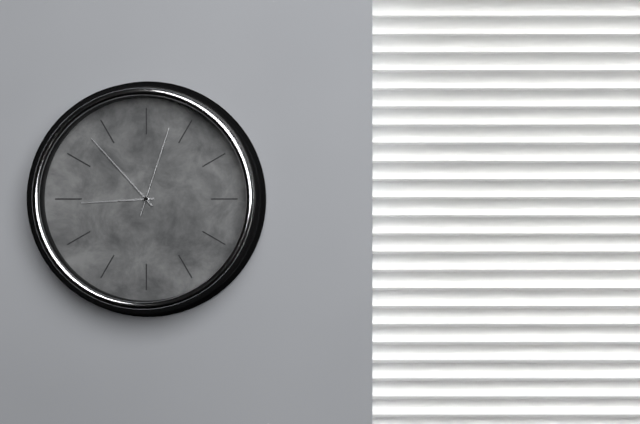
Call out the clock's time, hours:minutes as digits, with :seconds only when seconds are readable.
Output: 8:53:03
